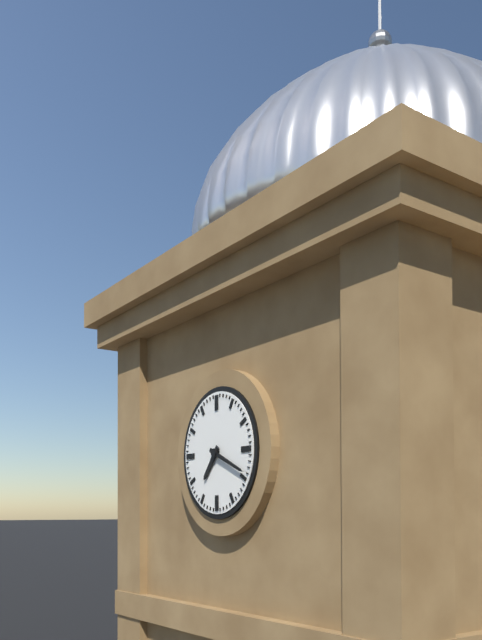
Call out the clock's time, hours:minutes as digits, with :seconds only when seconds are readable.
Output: 7:19
